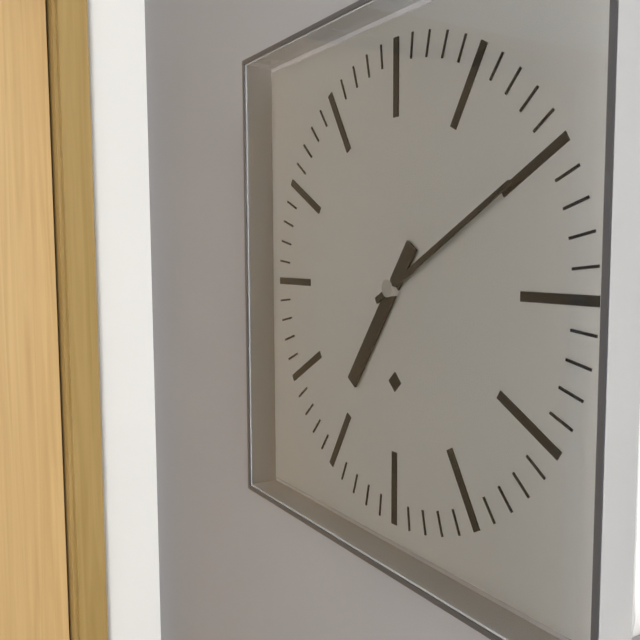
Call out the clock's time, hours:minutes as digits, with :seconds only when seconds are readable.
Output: 7:10
